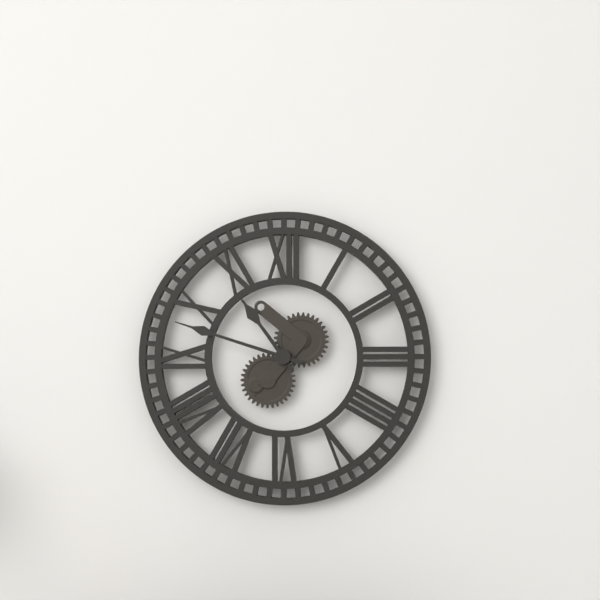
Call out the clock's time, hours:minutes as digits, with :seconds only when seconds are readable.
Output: 10:48
